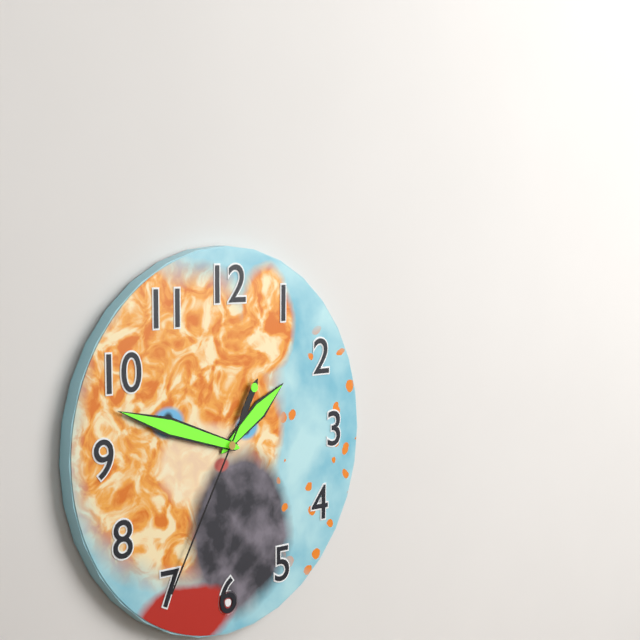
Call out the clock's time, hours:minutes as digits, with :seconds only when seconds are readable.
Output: 1:48:35
